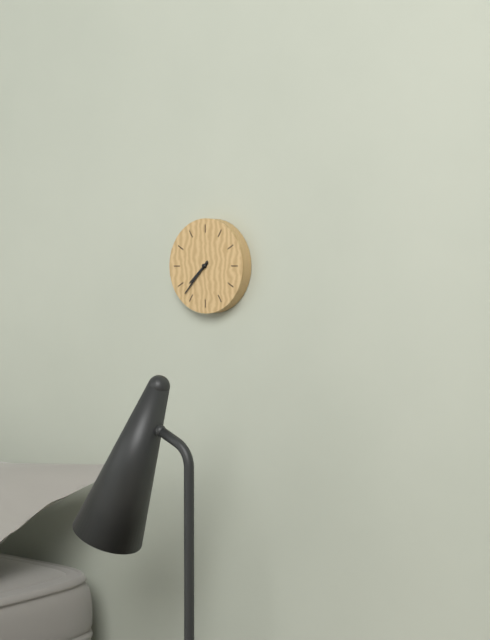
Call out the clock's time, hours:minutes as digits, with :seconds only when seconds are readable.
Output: 7:37
